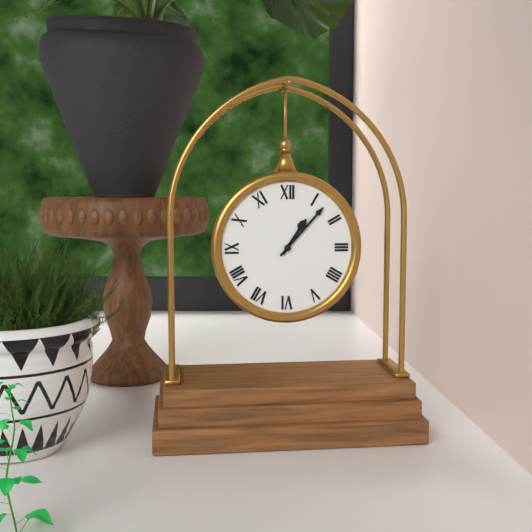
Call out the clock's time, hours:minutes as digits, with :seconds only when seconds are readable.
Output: 1:07
